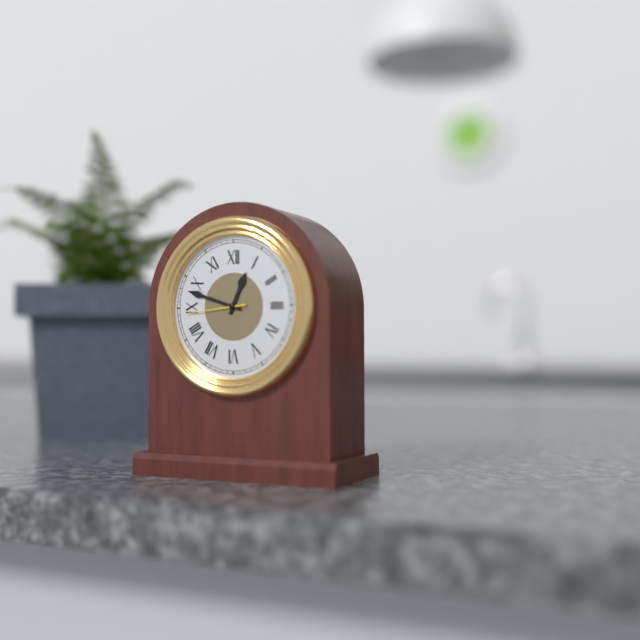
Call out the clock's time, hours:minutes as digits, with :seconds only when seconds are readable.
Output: 12:48:44
